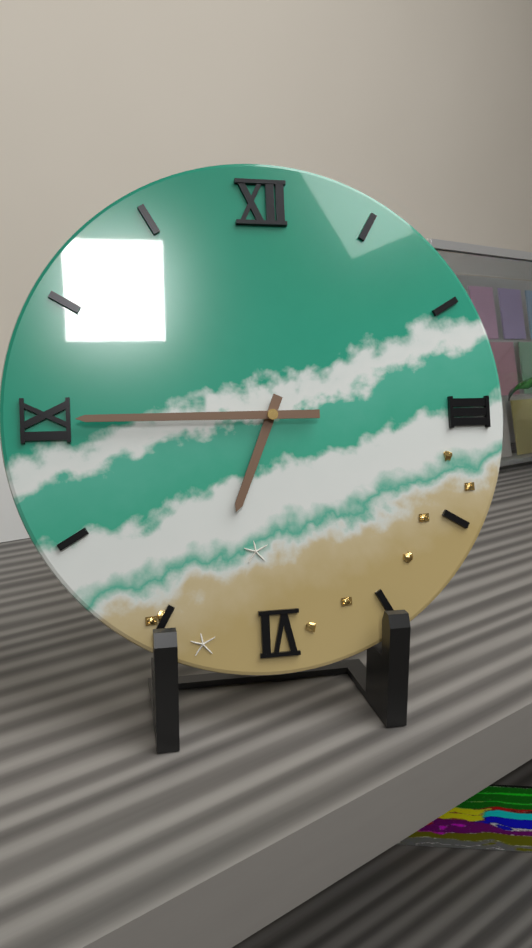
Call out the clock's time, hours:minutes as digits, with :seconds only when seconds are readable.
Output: 6:45
